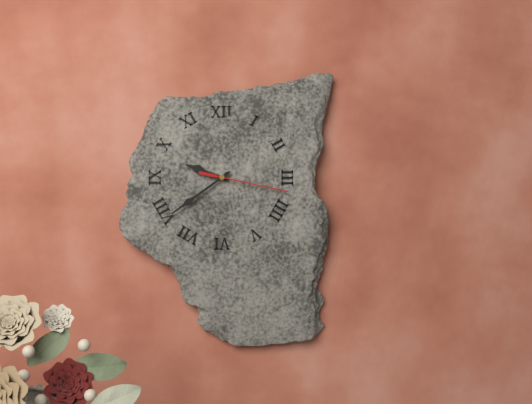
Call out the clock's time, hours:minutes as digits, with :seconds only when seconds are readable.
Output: 9:39:17
